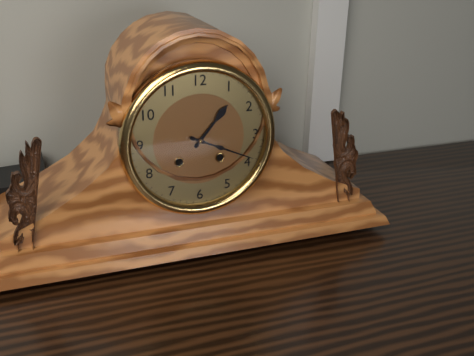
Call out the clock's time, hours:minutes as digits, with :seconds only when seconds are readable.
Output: 1:19
